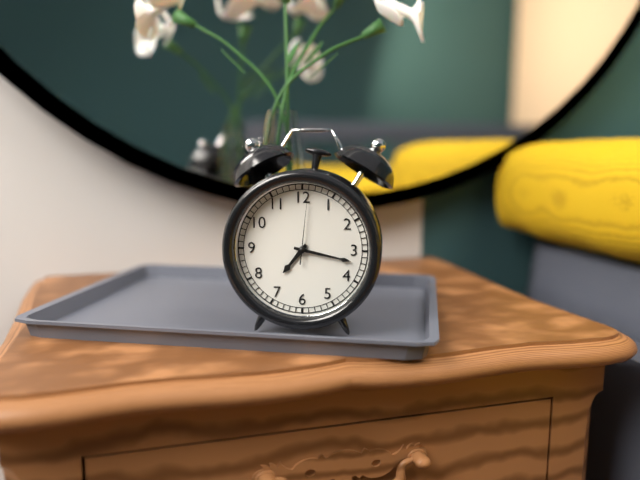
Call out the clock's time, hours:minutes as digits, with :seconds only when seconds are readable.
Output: 7:17:01
